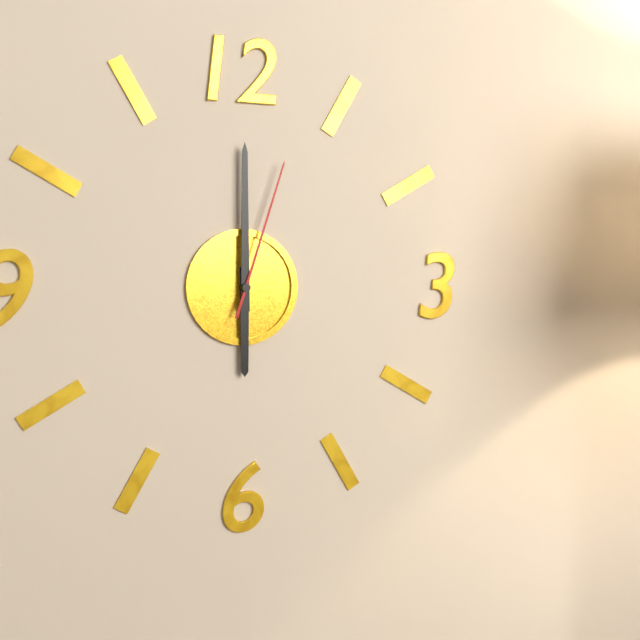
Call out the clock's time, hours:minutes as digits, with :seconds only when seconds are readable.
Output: 6:00:03
